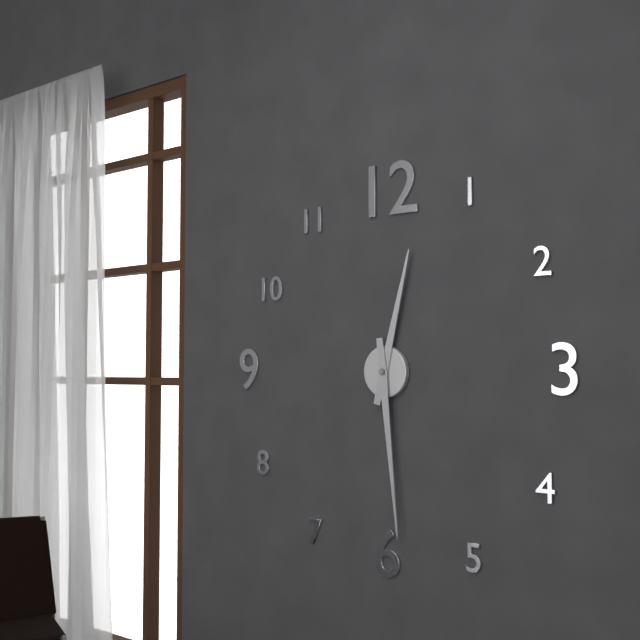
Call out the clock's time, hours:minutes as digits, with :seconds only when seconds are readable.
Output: 12:29
